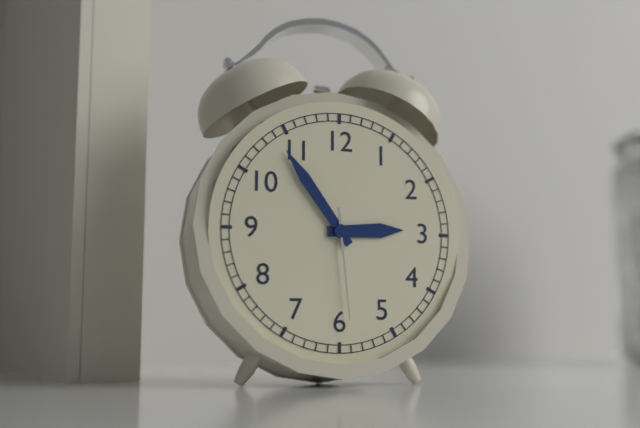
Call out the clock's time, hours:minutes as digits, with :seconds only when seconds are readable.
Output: 2:54:29
